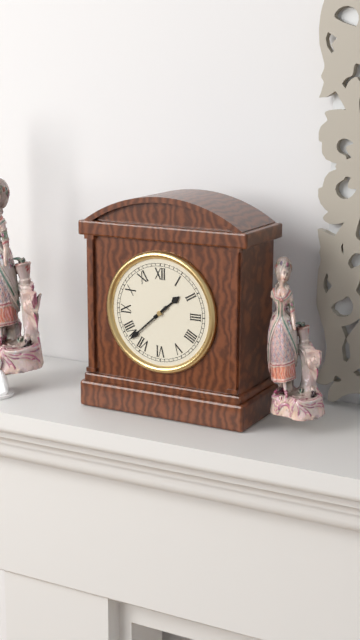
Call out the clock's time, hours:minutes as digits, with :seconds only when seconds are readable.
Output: 1:38
